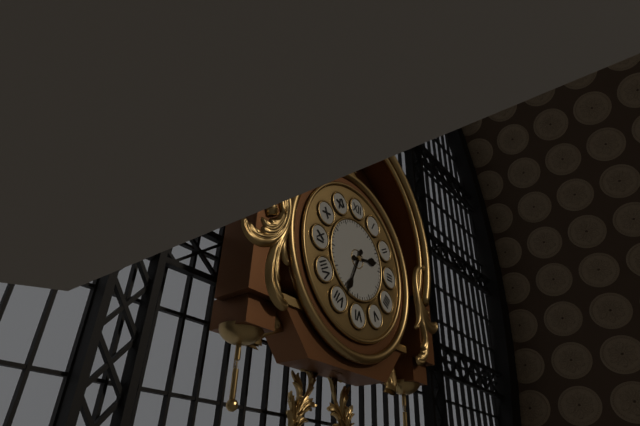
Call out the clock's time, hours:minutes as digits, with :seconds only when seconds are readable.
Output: 2:34
